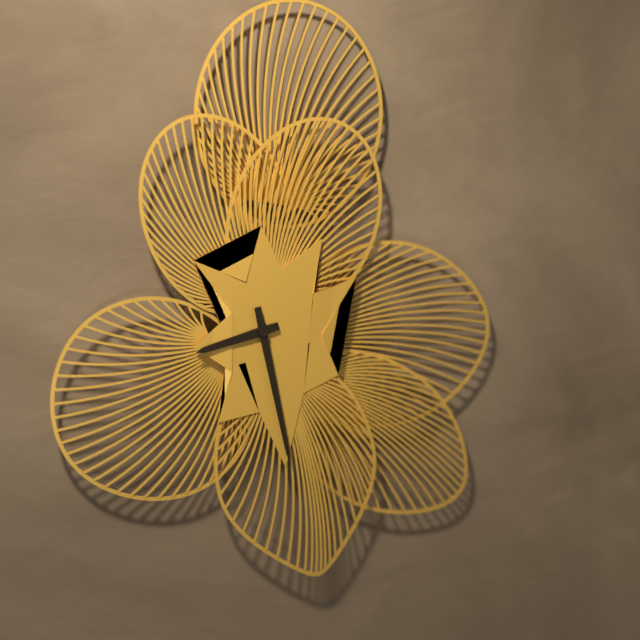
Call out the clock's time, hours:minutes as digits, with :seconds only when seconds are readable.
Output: 8:28
